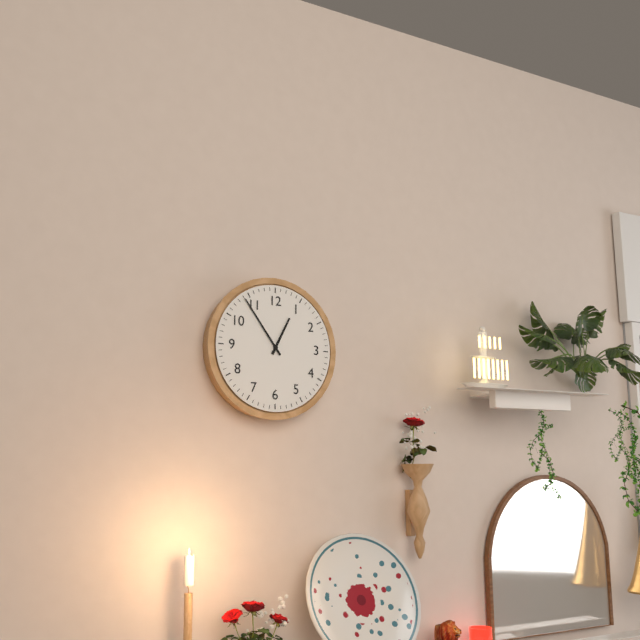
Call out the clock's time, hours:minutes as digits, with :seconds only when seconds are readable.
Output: 12:54
